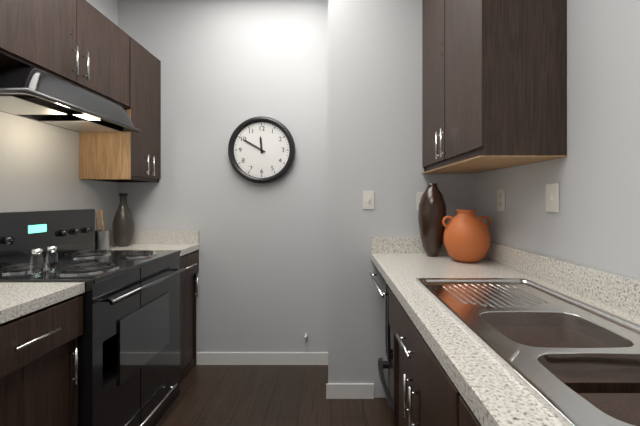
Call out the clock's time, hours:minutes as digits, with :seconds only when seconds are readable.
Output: 11:50
